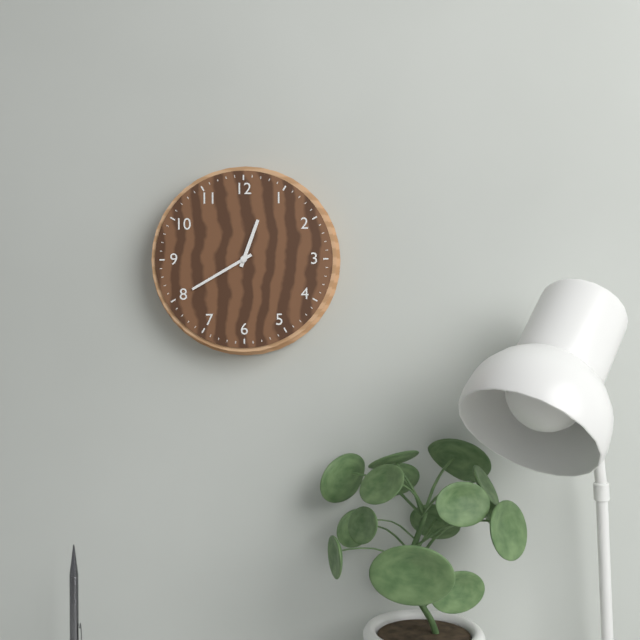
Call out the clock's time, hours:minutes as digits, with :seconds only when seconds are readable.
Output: 12:40
